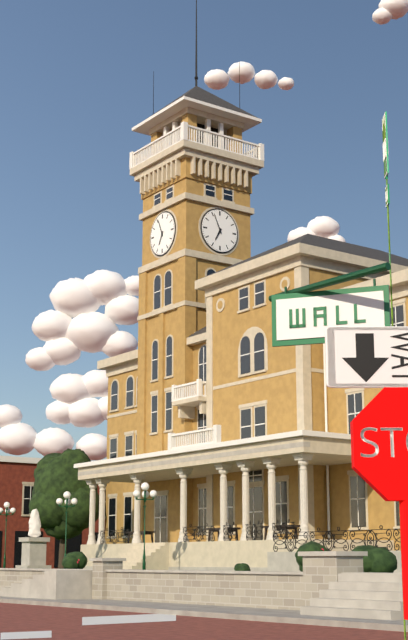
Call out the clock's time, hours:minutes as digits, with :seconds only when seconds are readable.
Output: 6:56
